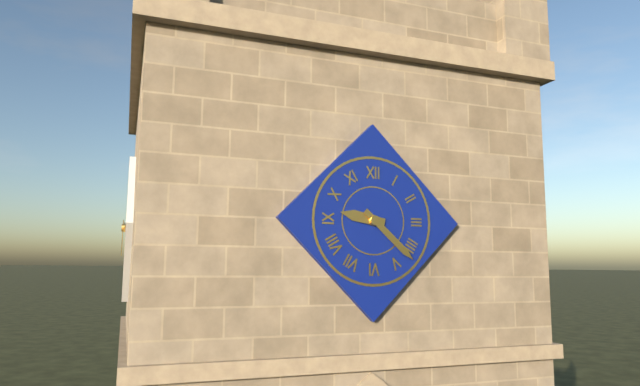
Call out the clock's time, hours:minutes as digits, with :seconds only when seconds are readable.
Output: 9:22
